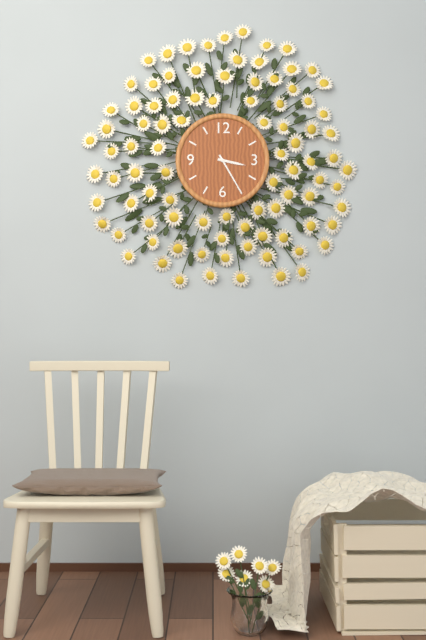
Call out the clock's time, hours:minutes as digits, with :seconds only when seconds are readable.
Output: 3:25
